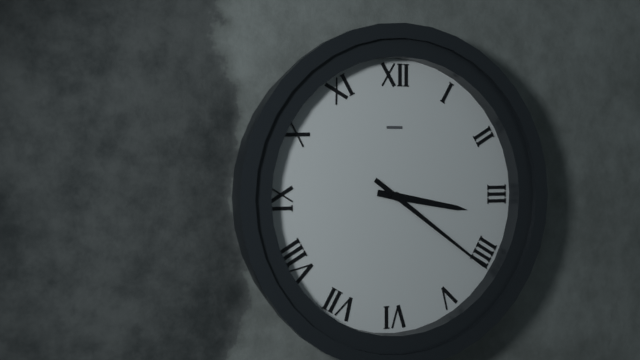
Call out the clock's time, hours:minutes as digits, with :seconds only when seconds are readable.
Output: 3:21
